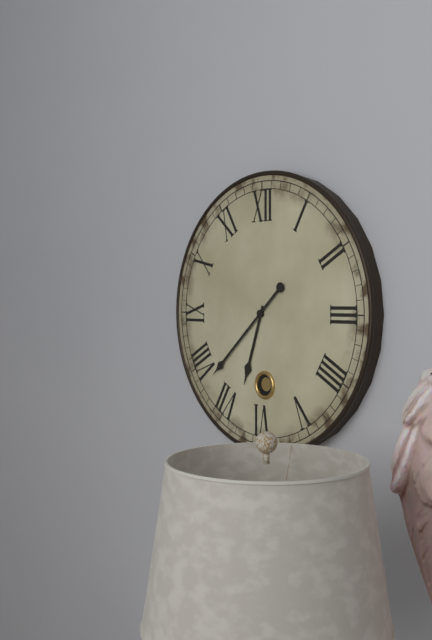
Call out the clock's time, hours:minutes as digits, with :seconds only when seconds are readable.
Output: 6:38
